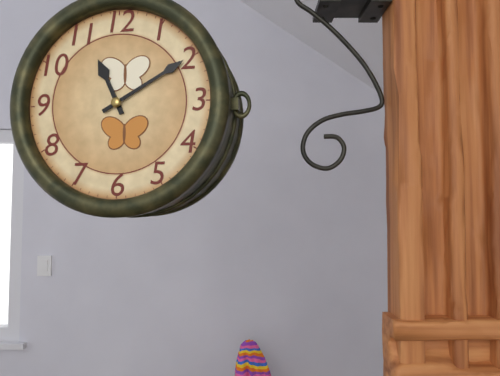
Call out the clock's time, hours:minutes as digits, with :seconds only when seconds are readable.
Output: 11:10
